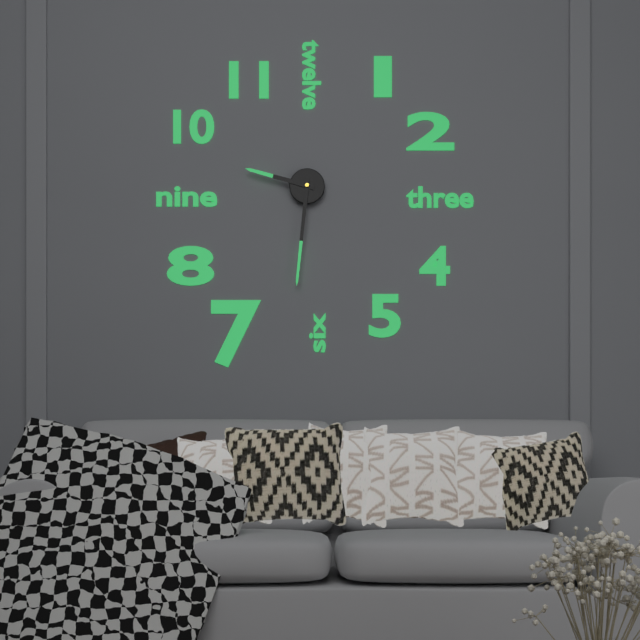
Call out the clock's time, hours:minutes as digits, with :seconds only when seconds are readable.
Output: 9:31
